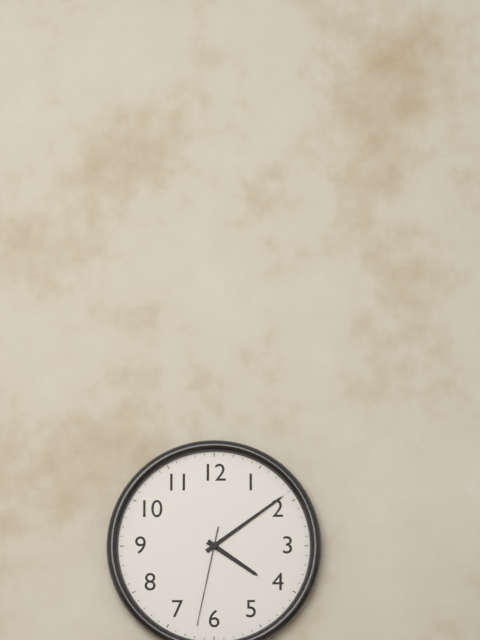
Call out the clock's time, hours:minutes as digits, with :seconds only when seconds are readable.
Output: 4:09:32
